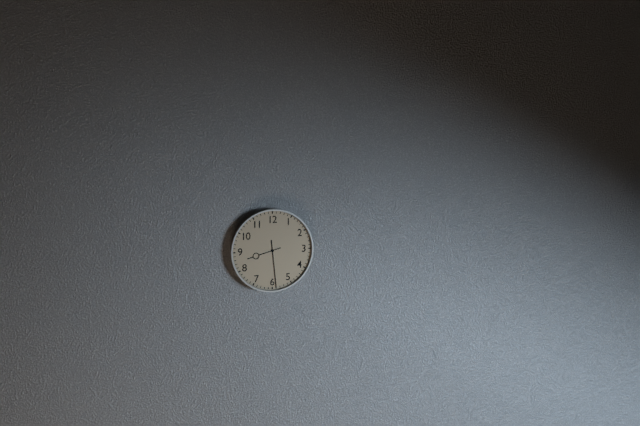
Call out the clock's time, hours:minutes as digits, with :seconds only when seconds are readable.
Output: 8:29
